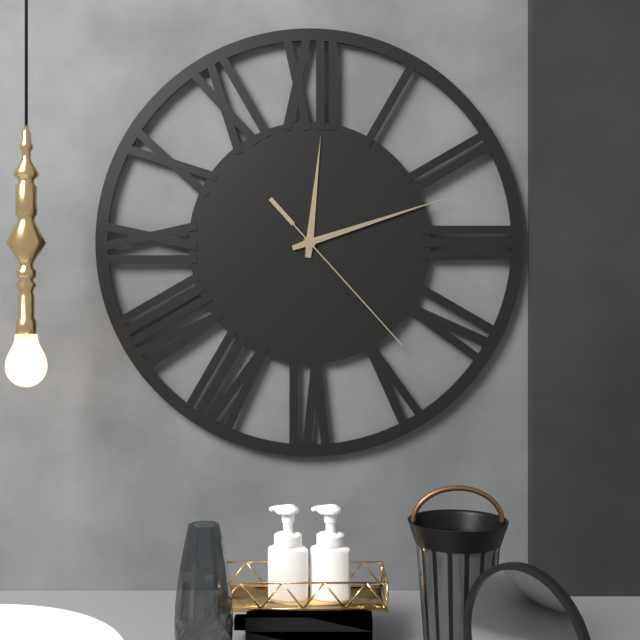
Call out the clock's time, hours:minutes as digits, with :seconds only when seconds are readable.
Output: 12:12:23
